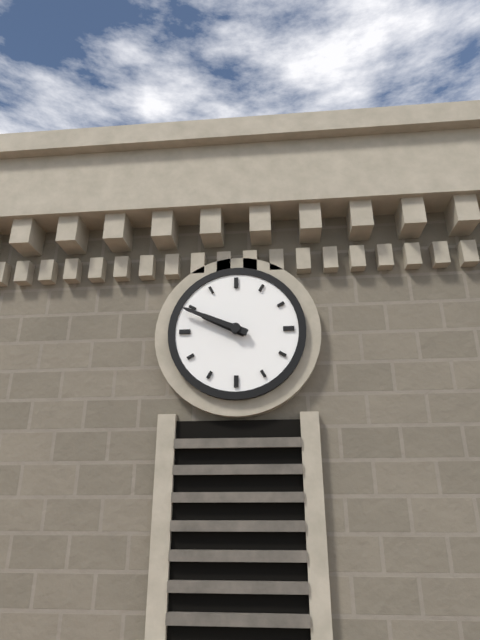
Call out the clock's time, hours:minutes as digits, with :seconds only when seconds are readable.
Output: 9:49
